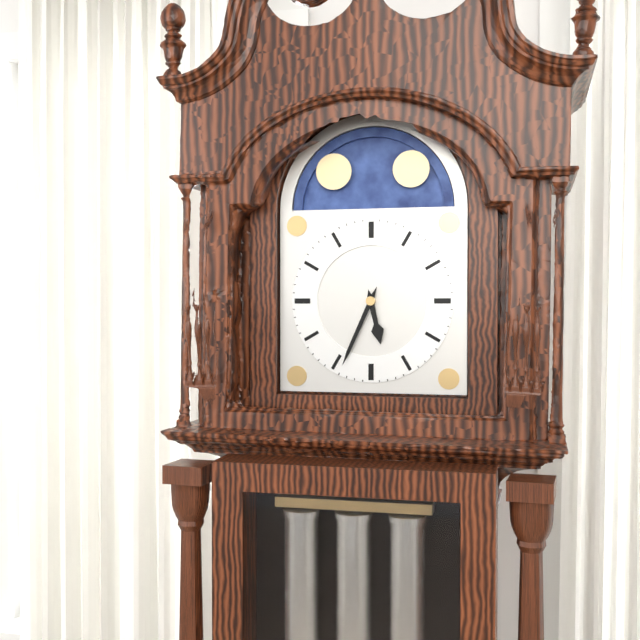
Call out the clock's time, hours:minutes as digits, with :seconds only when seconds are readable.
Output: 5:34
